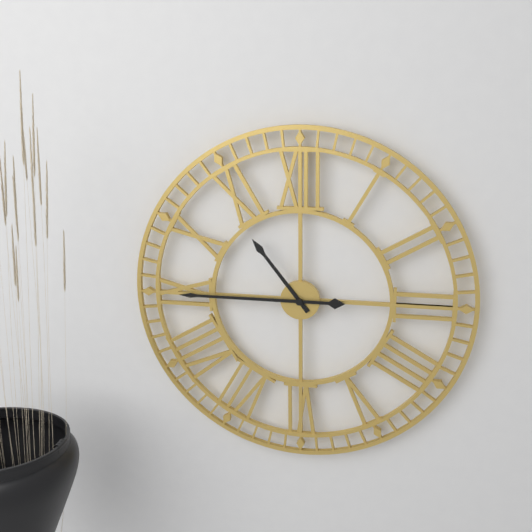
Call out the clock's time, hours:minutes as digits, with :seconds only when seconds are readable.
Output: 10:45
